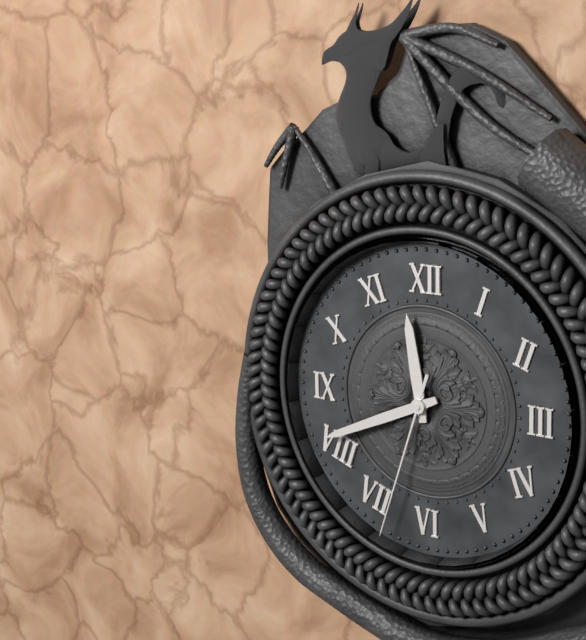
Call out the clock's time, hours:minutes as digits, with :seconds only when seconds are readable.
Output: 11:41:33
